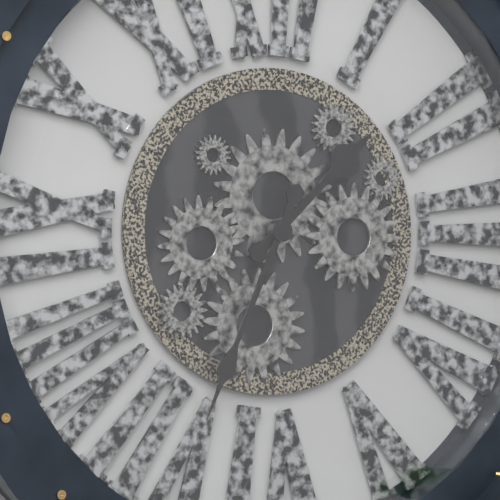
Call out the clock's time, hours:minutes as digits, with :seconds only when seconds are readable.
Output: 1:34
